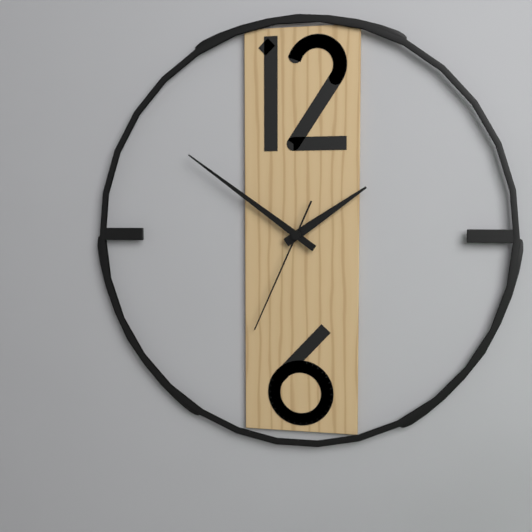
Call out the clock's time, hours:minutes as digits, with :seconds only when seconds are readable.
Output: 1:51:34
